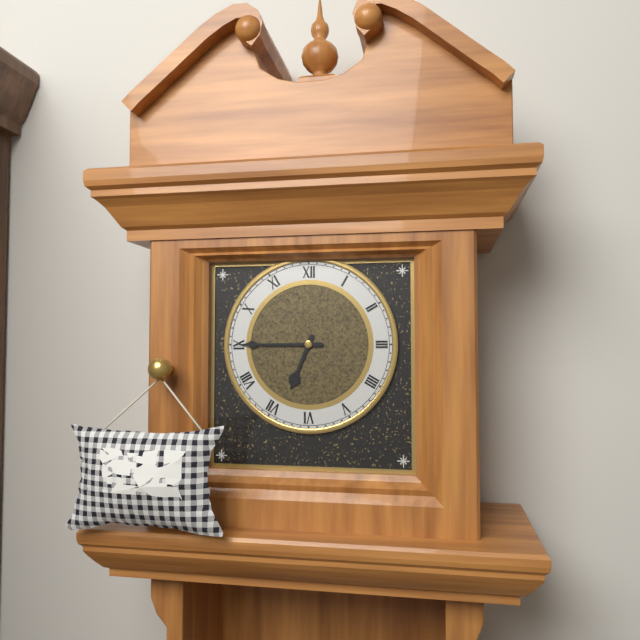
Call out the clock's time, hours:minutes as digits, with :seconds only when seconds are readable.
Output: 6:45
